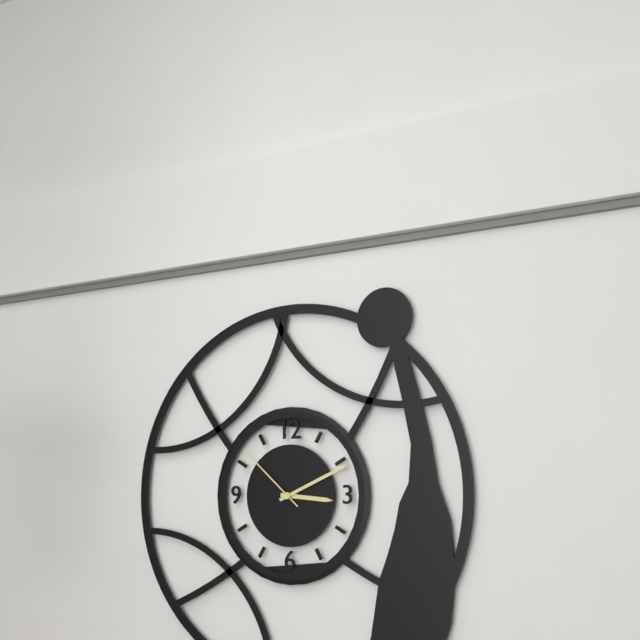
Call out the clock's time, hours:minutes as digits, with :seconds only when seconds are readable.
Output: 3:11:52
